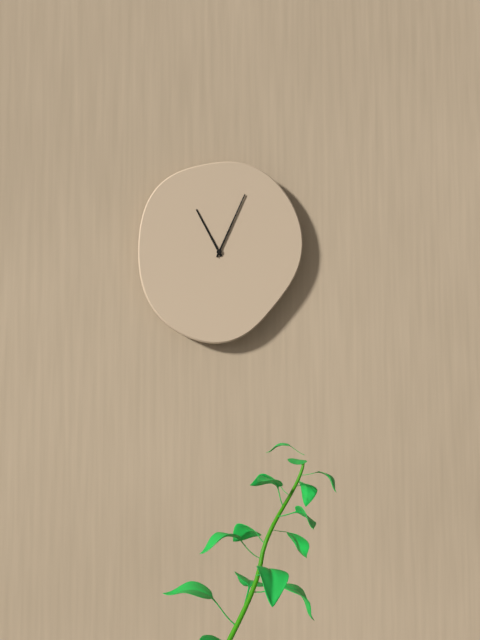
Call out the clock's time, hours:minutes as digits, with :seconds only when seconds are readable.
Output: 11:04
